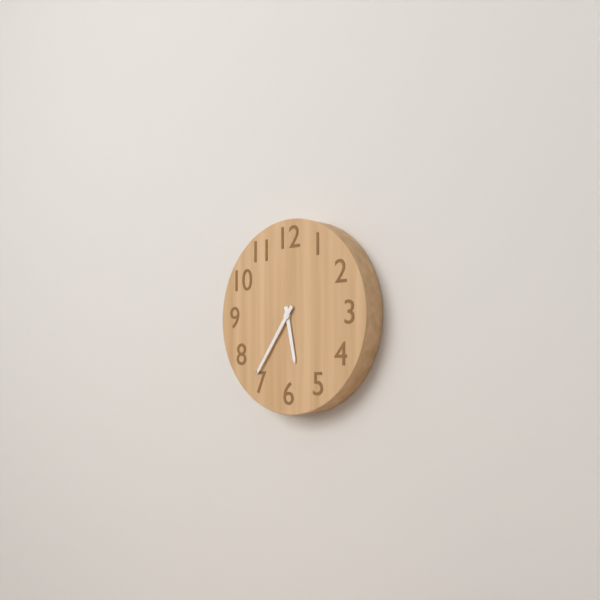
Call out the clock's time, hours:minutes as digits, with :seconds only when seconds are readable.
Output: 5:36
